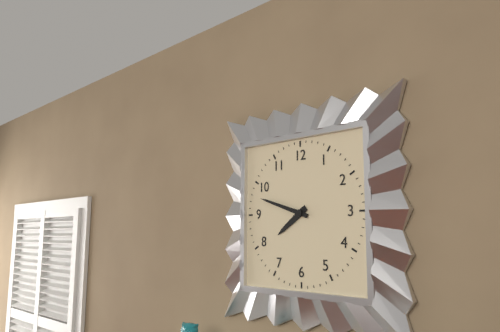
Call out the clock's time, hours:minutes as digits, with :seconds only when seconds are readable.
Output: 7:48
